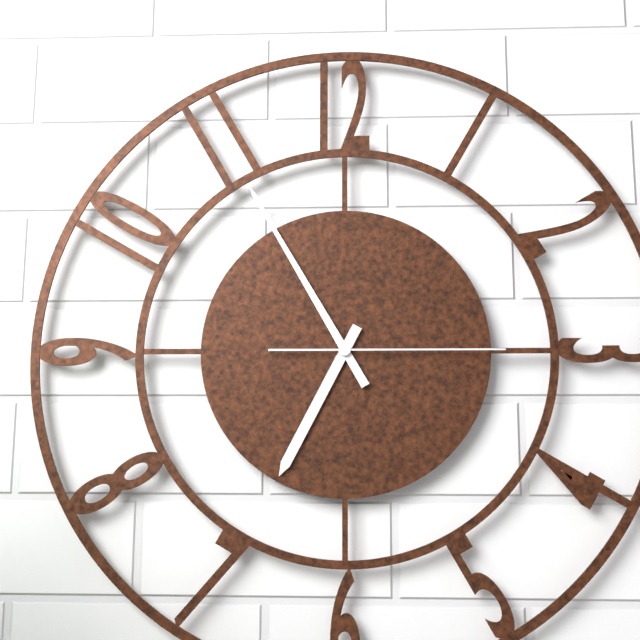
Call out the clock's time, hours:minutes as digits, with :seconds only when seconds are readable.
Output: 6:55:15
